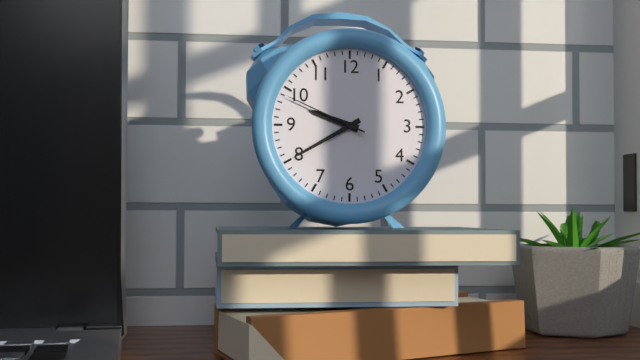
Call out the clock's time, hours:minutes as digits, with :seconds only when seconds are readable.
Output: 9:40:49
